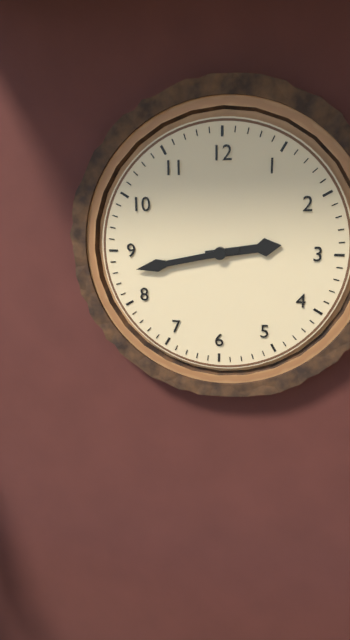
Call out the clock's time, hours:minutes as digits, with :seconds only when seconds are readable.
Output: 2:43
